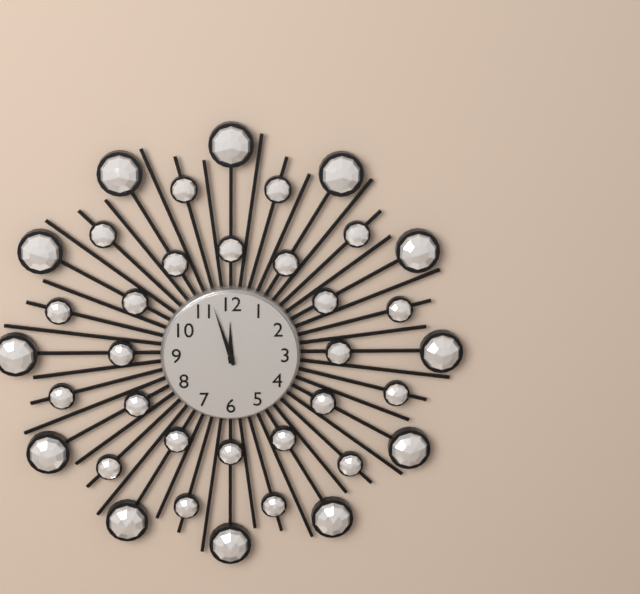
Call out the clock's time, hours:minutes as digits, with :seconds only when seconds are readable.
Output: 11:57
